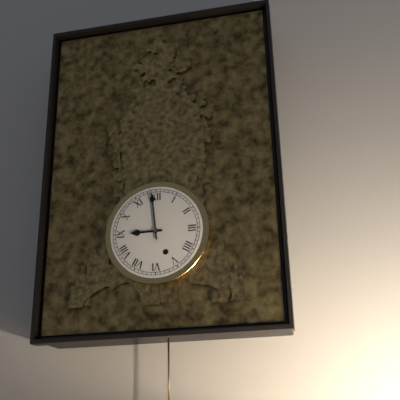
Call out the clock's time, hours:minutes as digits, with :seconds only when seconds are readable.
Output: 8:59
